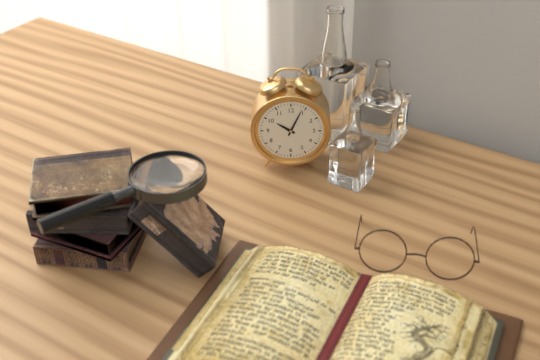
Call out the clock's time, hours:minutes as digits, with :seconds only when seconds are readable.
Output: 10:04
